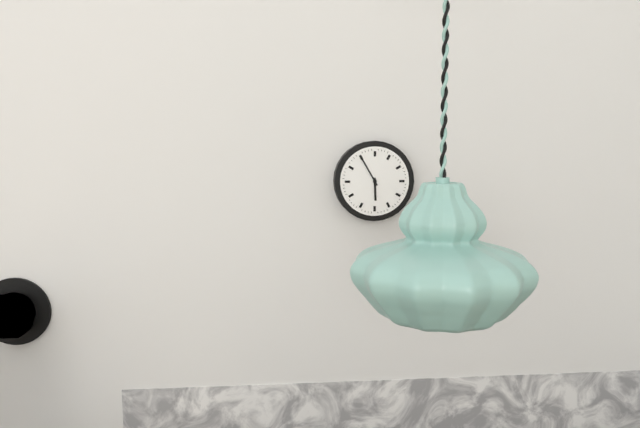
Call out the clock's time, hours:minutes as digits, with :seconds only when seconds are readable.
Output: 5:55
